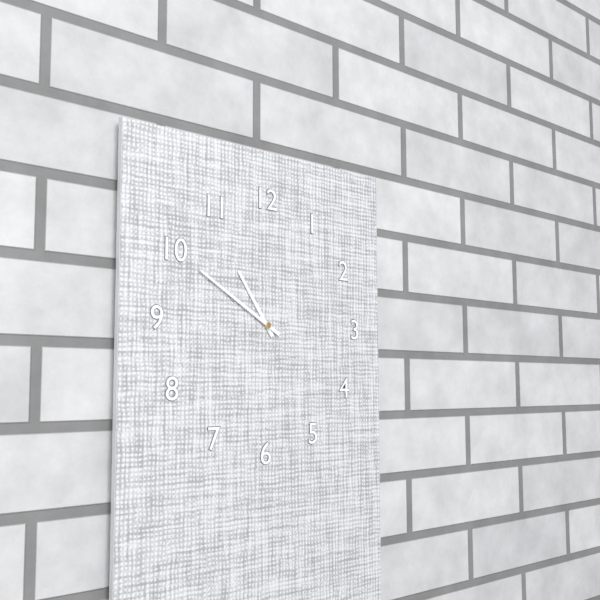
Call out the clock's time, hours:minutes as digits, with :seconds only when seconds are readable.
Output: 10:50
